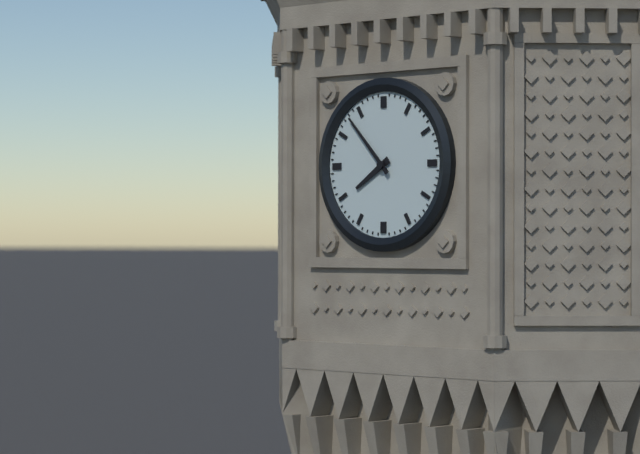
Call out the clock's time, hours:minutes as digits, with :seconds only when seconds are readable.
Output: 7:53
